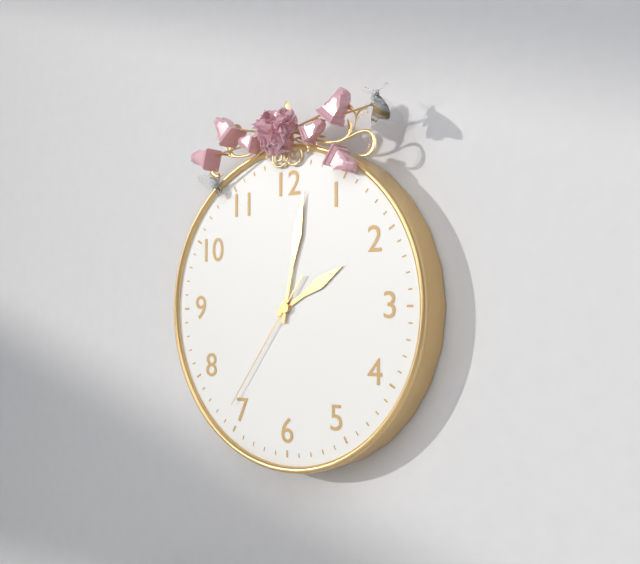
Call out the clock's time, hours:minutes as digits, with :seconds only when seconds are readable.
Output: 2:02:36
